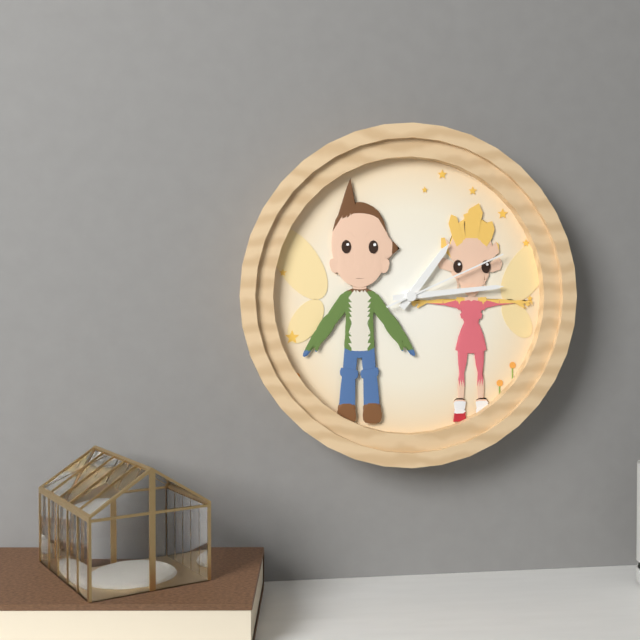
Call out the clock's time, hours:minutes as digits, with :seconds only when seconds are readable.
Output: 1:14:11
